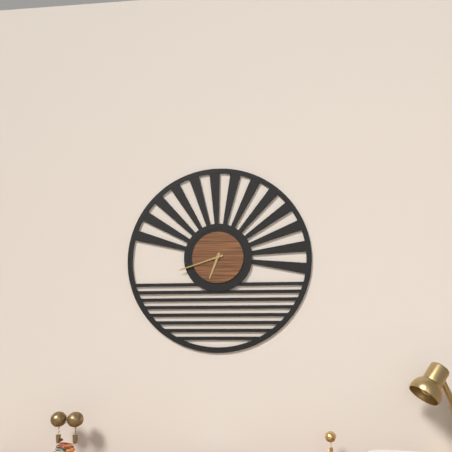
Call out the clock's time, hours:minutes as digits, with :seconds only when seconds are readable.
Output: 6:42
